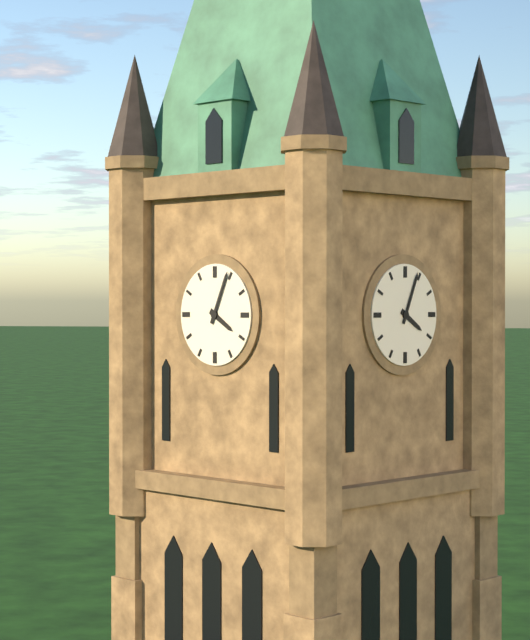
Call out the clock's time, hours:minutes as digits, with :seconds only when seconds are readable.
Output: 4:04
